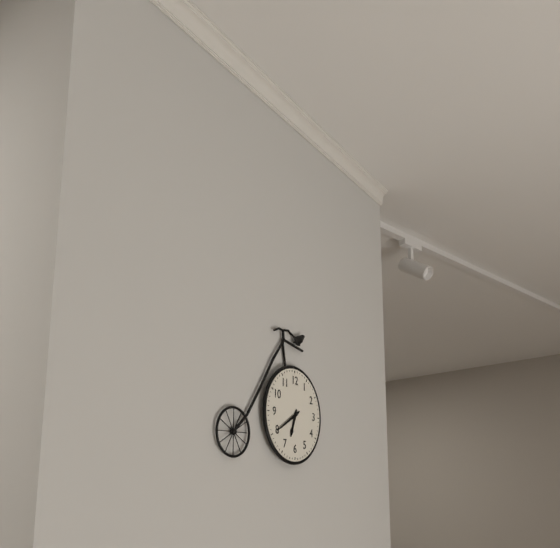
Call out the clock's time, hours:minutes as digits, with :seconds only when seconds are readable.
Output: 6:40
